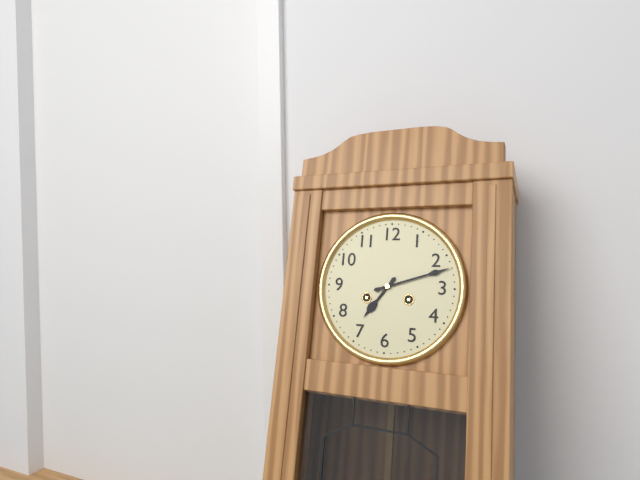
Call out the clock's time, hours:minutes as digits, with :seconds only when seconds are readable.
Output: 7:12
